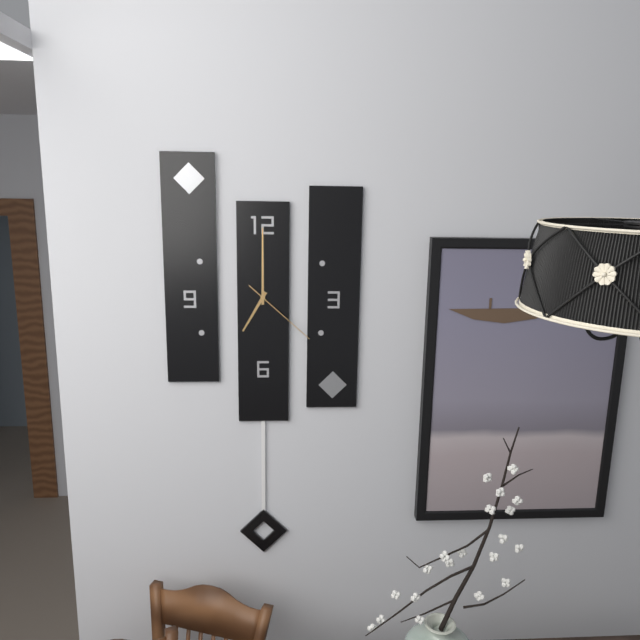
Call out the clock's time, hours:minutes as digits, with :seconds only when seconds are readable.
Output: 7:00:22
